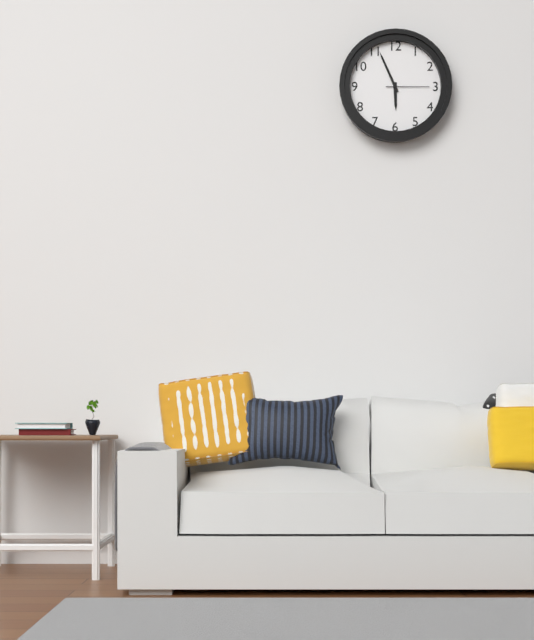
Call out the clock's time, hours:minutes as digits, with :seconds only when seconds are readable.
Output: 5:56
